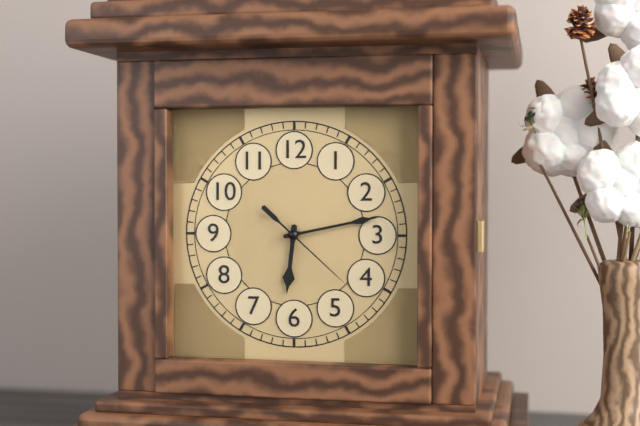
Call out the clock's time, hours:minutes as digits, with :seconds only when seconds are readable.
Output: 6:13:22
